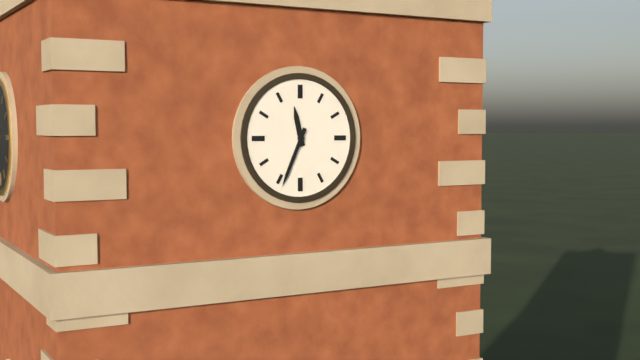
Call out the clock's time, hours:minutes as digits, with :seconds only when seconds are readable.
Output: 11:34
